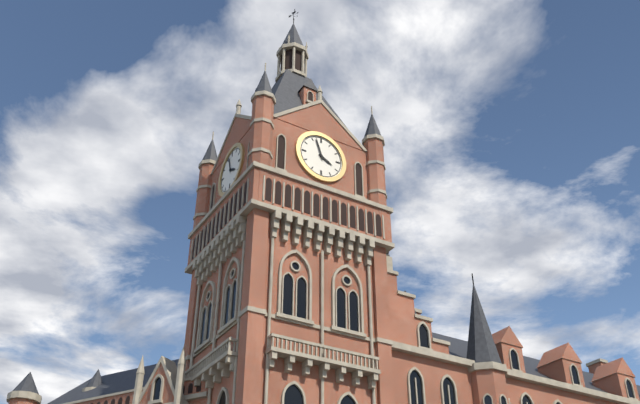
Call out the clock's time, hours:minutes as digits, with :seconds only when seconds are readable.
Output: 3:57
